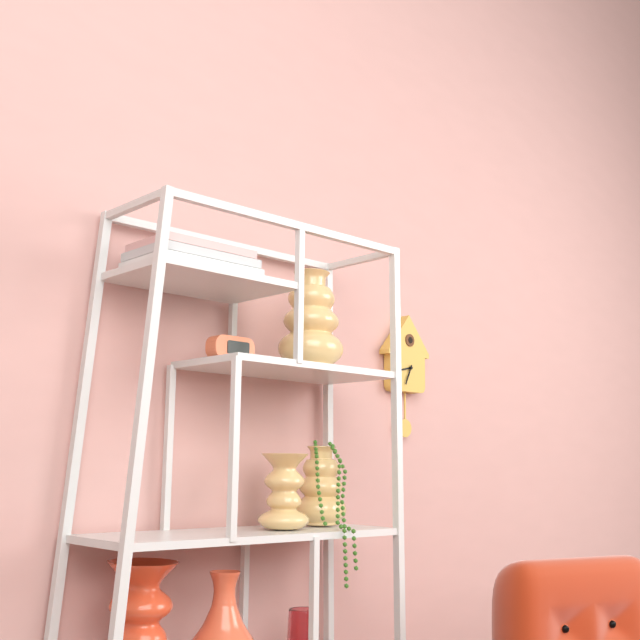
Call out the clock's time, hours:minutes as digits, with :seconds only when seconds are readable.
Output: 8:34
